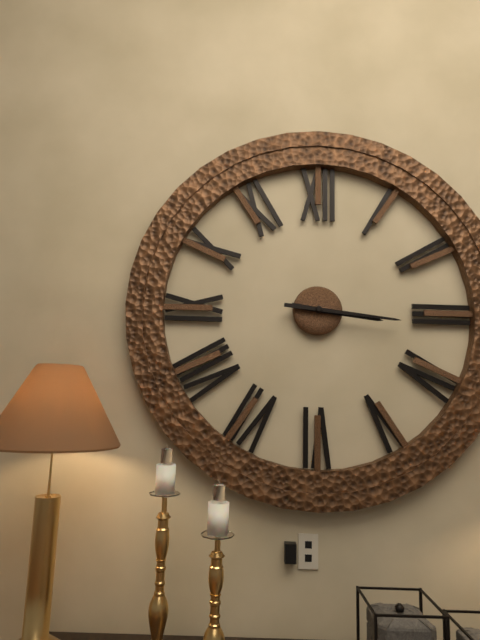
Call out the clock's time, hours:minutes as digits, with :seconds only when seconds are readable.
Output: 3:16
